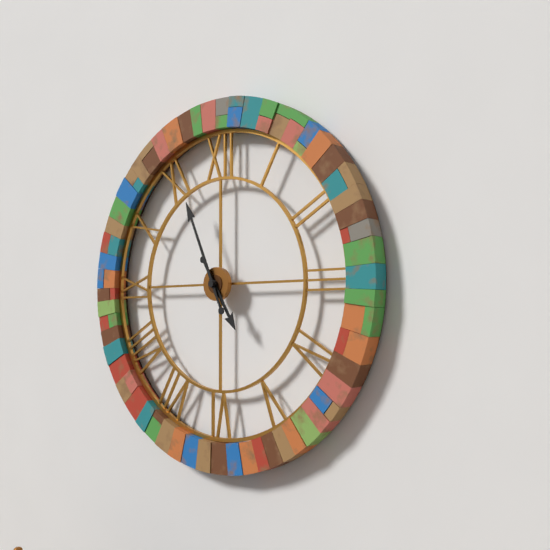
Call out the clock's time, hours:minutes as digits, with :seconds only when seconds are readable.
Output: 4:56
